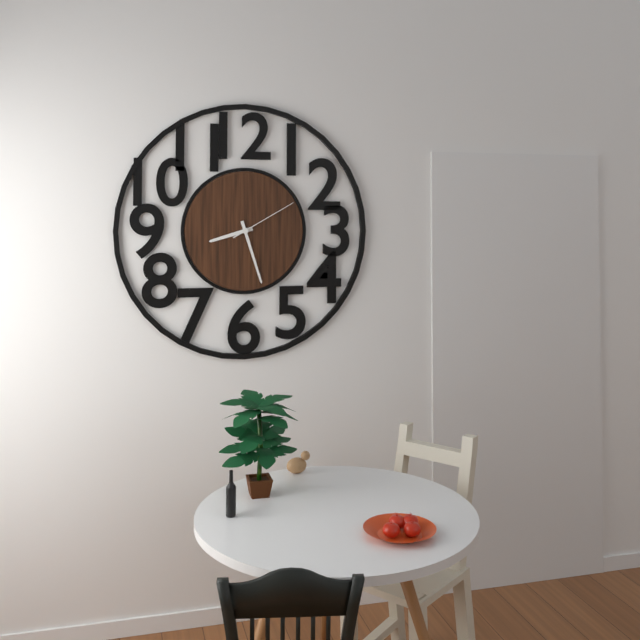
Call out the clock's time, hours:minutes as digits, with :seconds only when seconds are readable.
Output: 8:27:10
